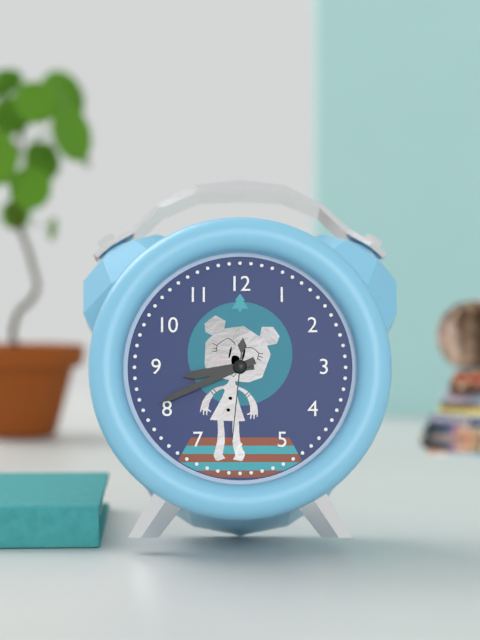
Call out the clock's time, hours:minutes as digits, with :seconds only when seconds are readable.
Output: 8:41:31
